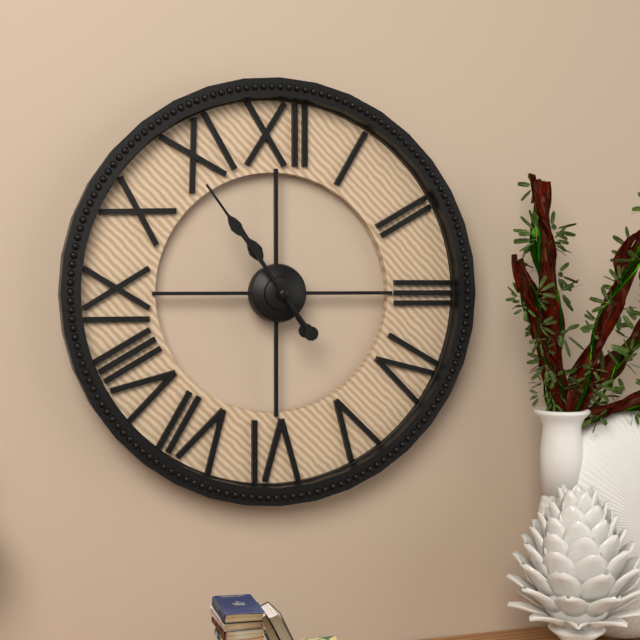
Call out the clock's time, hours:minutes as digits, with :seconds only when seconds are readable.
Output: 10:54
